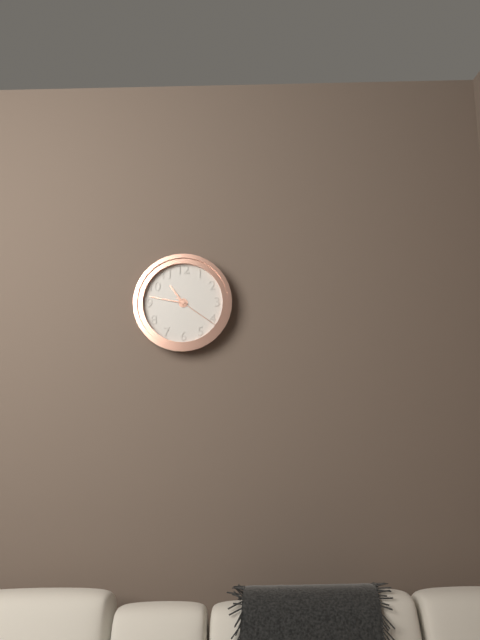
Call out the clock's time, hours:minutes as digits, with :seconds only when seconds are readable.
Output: 10:47
